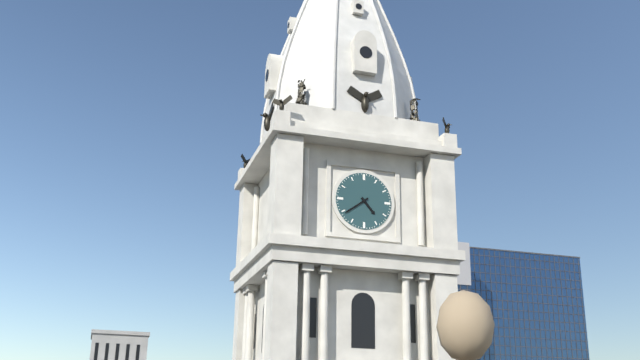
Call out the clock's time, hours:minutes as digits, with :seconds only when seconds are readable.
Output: 4:39
